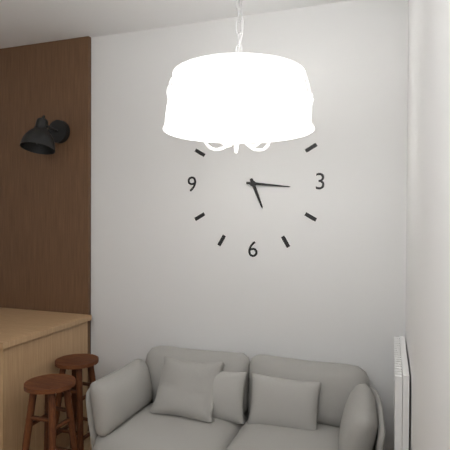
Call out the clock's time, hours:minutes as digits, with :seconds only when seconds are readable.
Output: 5:16
